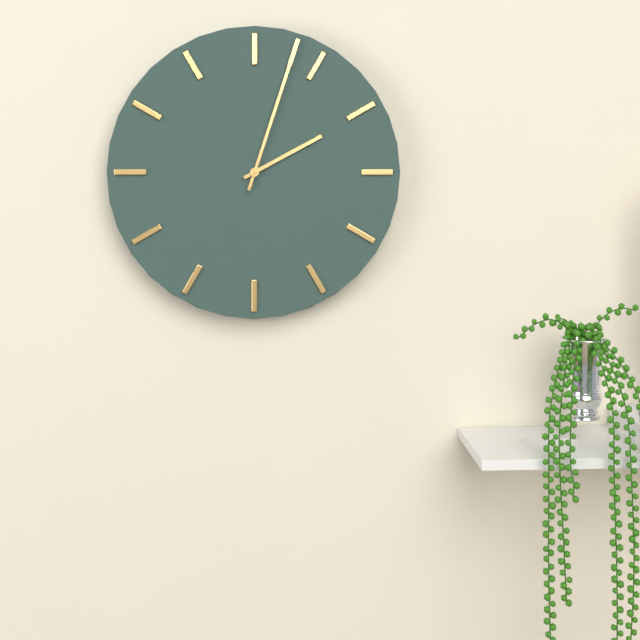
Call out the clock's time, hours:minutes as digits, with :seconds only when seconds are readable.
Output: 2:03
